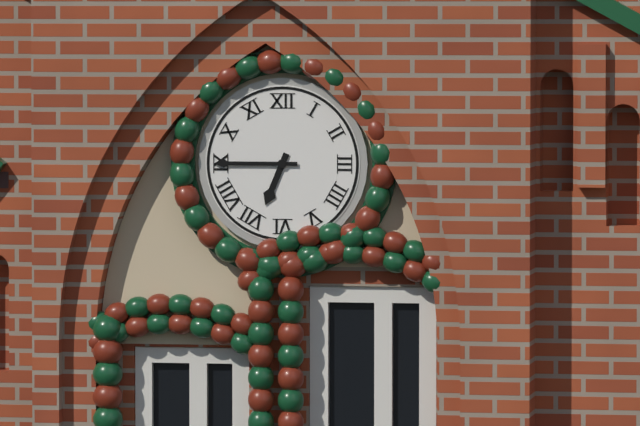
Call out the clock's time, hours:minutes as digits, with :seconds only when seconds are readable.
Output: 6:45
